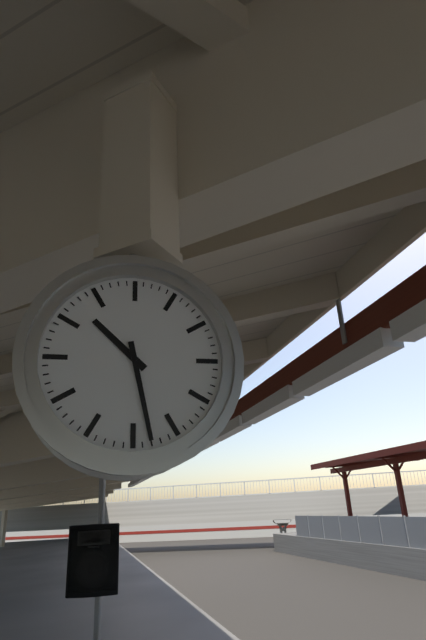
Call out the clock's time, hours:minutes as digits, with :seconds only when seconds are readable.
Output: 10:28
